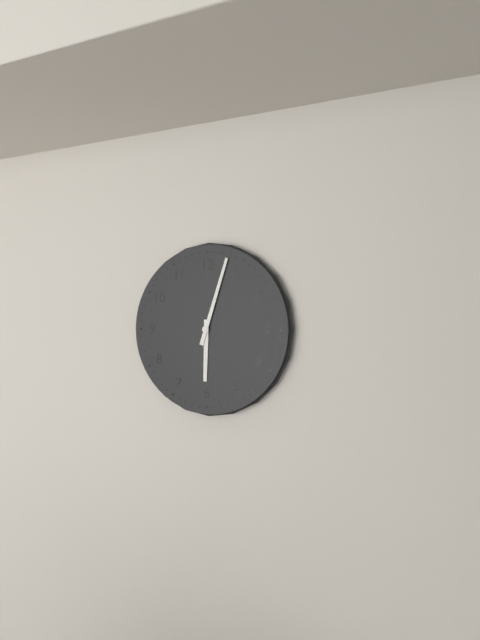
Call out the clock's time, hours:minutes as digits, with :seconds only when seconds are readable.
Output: 6:03
